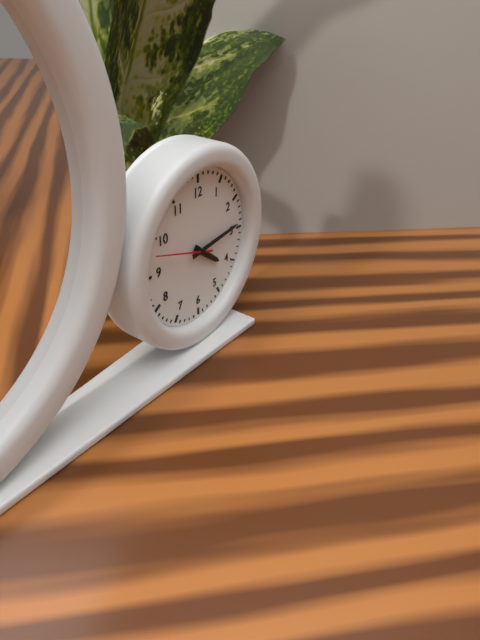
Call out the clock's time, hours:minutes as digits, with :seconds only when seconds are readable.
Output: 4:14
